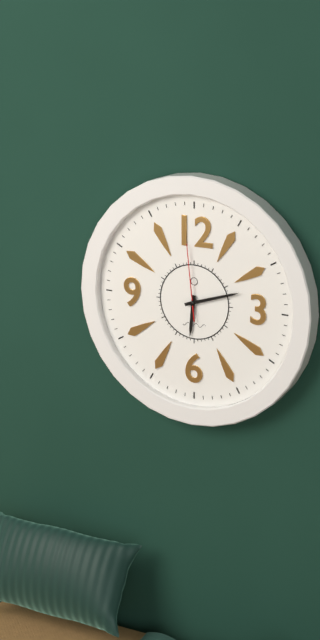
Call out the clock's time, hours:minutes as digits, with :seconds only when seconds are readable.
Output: 6:12:59
